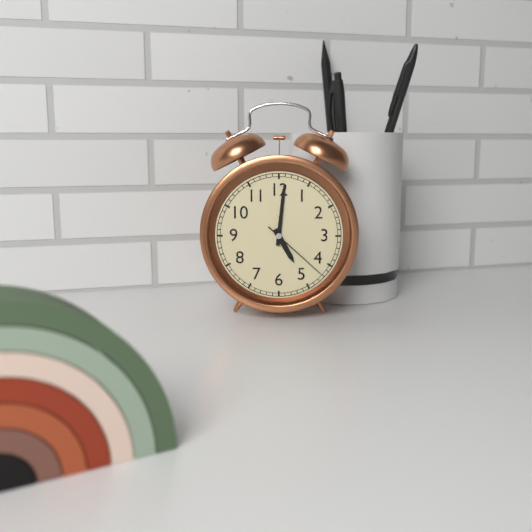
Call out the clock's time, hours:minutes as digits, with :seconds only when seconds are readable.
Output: 5:01:22
